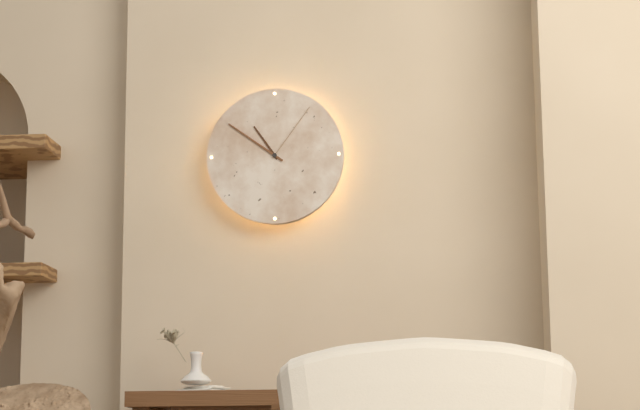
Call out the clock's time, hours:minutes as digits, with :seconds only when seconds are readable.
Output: 10:51:06
